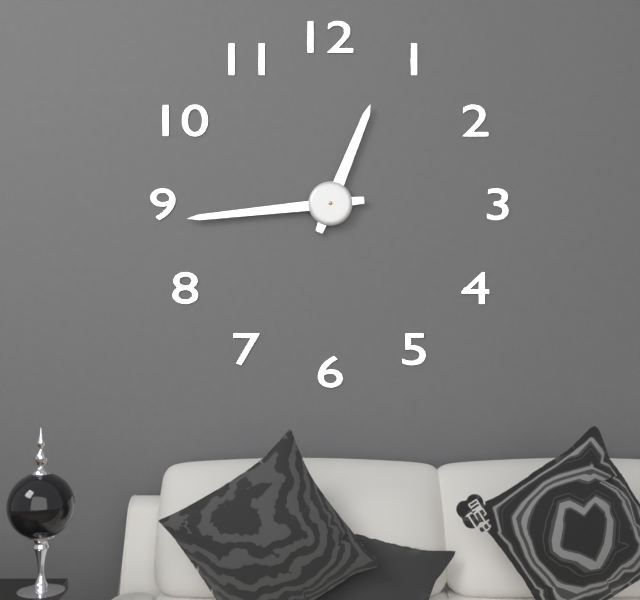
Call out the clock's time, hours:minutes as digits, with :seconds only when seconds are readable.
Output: 12:44
